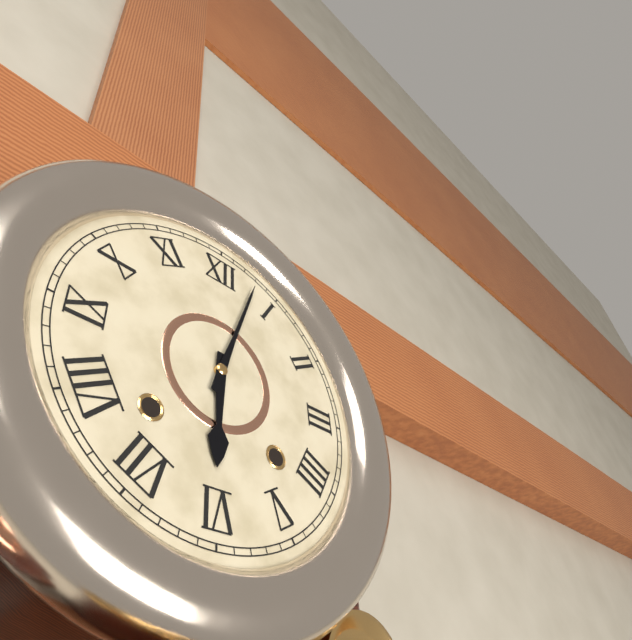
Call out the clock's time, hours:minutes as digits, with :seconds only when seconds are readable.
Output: 6:03
